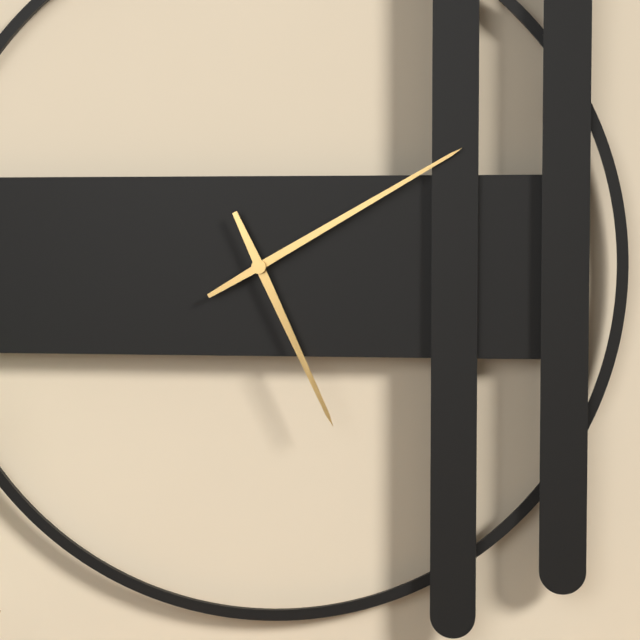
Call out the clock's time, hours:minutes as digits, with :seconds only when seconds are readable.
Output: 5:10
